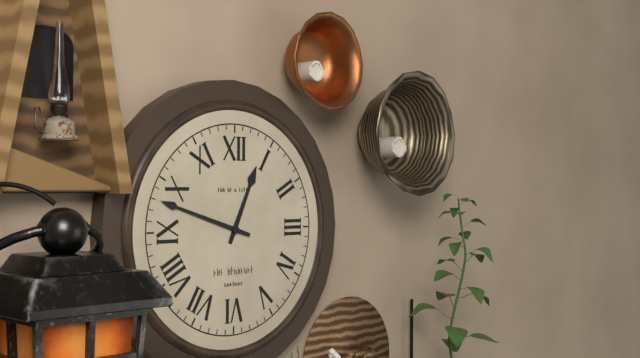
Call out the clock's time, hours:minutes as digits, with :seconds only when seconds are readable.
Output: 12:48
